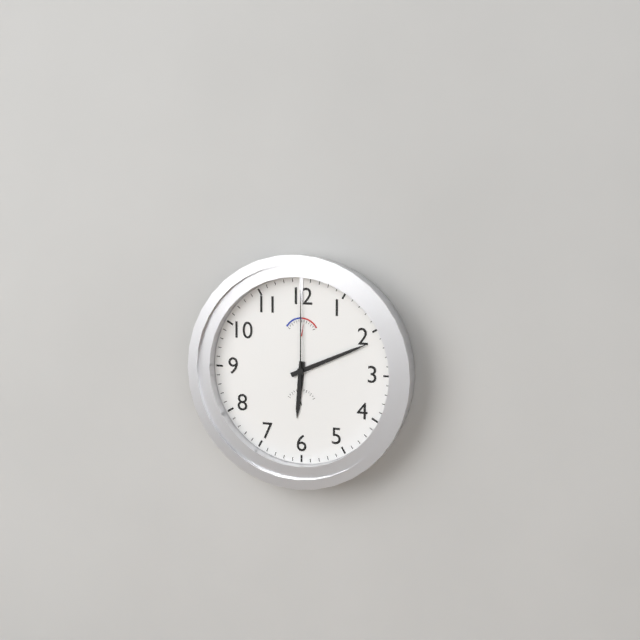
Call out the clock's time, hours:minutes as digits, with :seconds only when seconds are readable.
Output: 6:11:00
